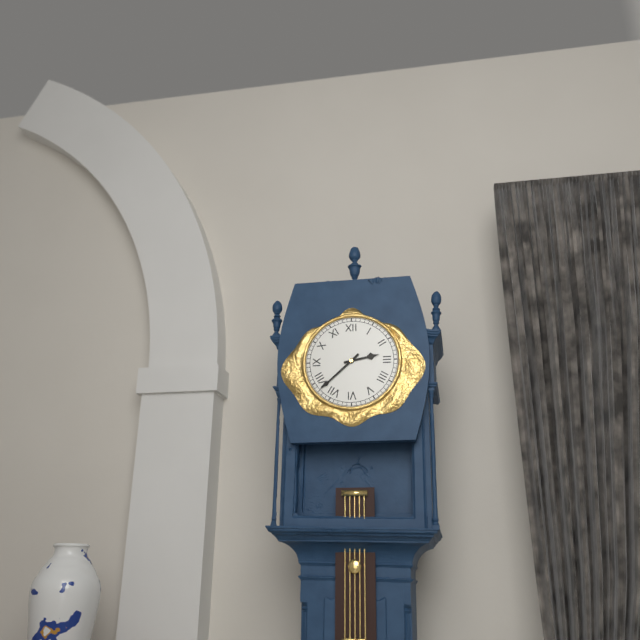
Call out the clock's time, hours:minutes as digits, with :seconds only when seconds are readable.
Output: 2:38
